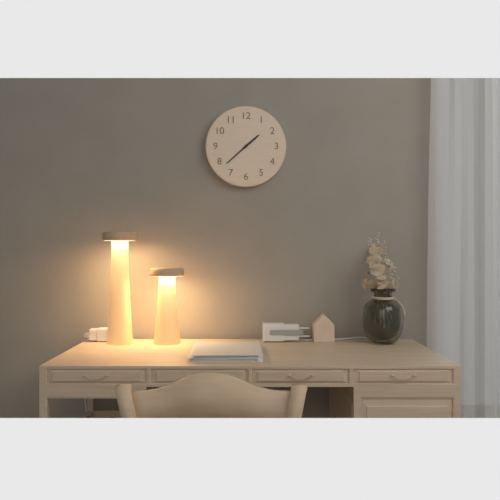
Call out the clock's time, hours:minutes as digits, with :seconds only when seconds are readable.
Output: 1:38
